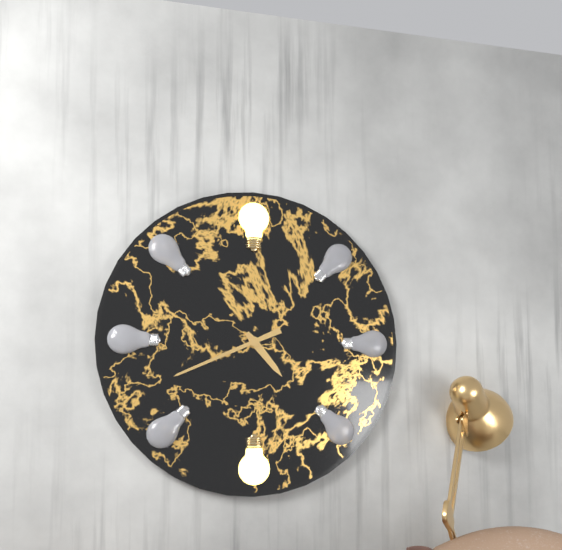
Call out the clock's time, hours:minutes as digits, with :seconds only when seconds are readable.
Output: 4:41
